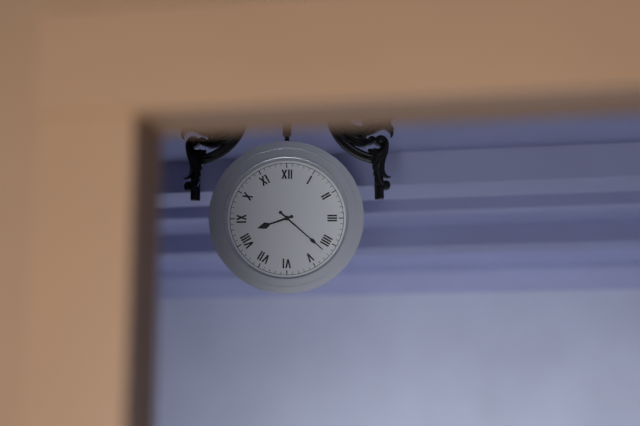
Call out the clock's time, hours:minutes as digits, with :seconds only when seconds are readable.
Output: 8:22
